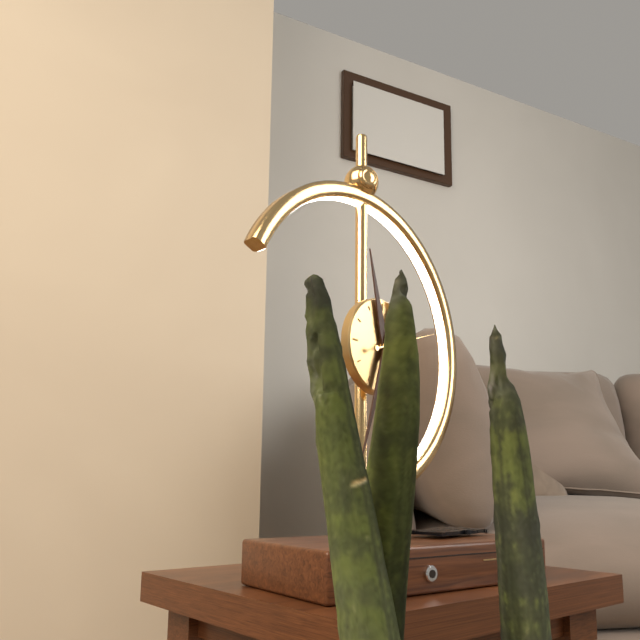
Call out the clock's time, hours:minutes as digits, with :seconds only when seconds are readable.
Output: 11:33:12
